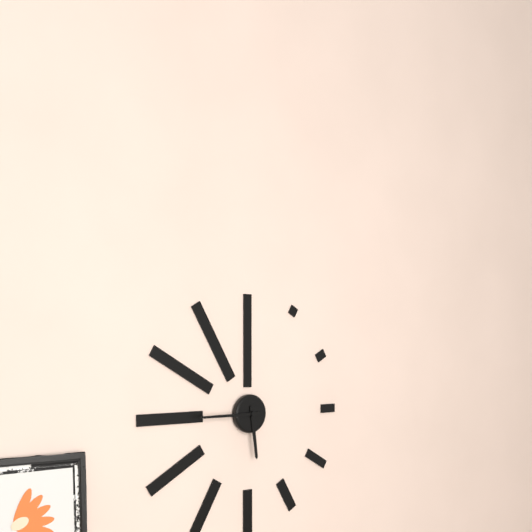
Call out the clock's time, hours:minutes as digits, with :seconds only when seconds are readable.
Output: 5:45
